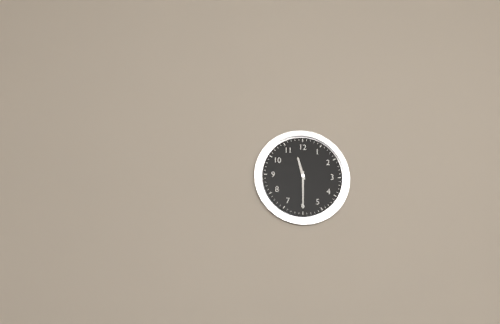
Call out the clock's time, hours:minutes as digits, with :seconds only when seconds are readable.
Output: 11:30
